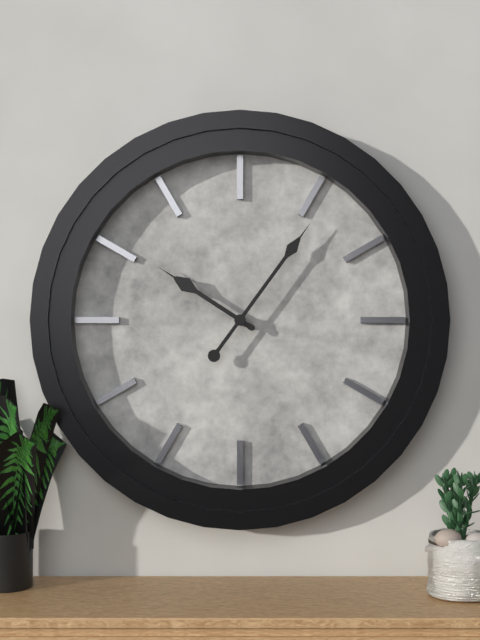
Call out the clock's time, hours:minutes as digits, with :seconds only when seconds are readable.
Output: 10:06
